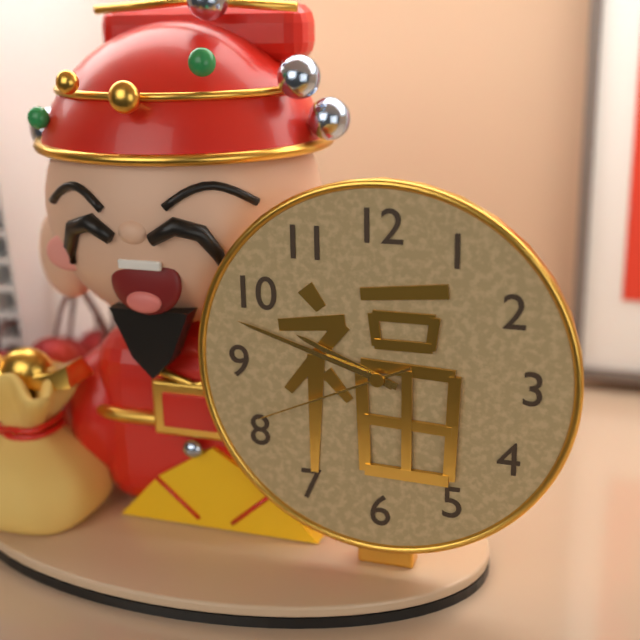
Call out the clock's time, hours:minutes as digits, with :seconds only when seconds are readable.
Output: 9:48:41
